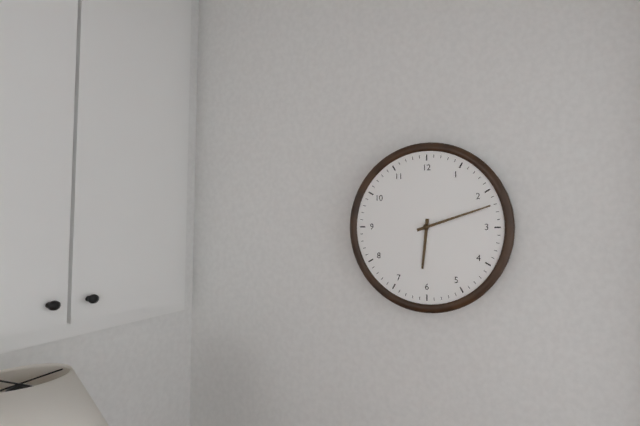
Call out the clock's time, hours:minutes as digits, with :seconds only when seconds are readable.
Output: 6:12
